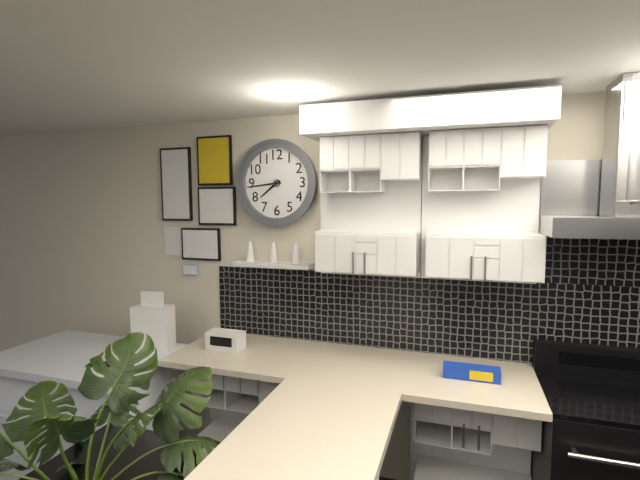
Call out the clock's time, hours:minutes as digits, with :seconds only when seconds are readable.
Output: 7:44
